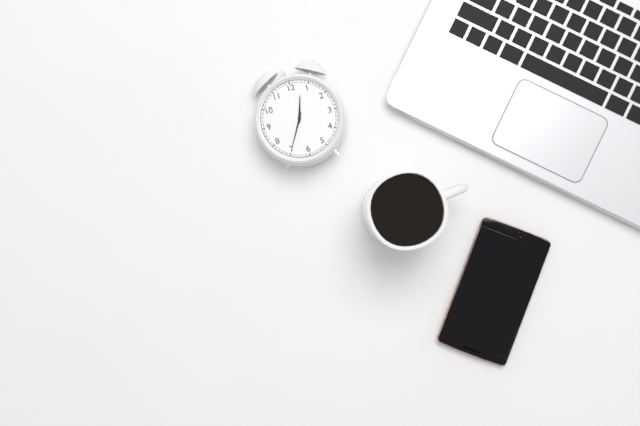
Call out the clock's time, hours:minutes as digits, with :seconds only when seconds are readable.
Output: 12:35
